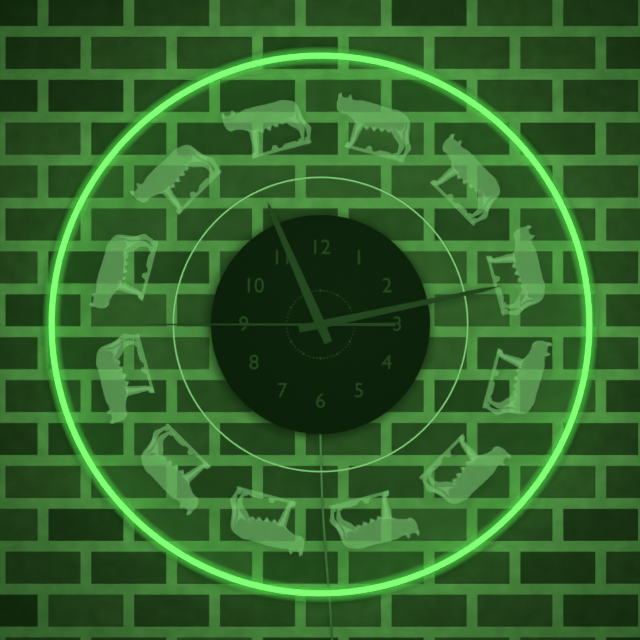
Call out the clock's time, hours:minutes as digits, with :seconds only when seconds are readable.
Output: 11:13:45
